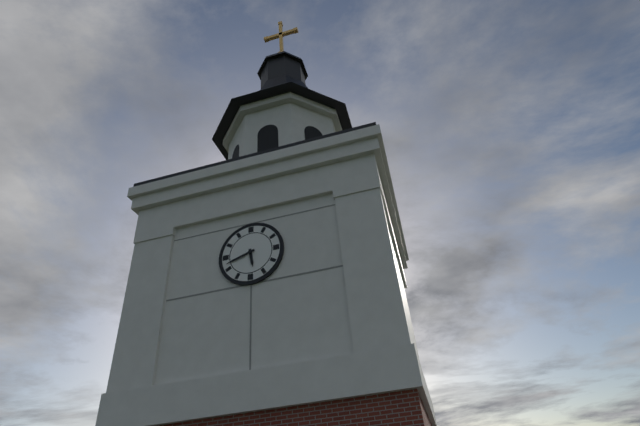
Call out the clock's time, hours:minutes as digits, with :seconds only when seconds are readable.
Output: 5:42
